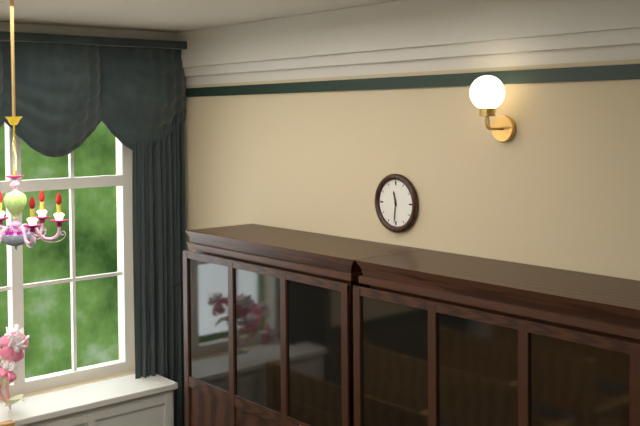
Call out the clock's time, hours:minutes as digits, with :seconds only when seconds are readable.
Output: 11:31
